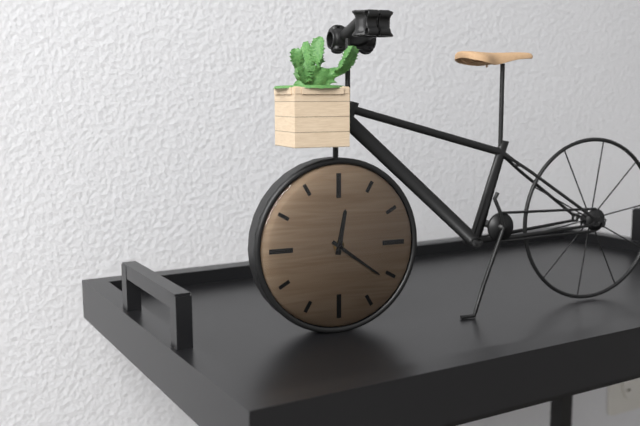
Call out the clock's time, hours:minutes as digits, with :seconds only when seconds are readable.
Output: 12:21
